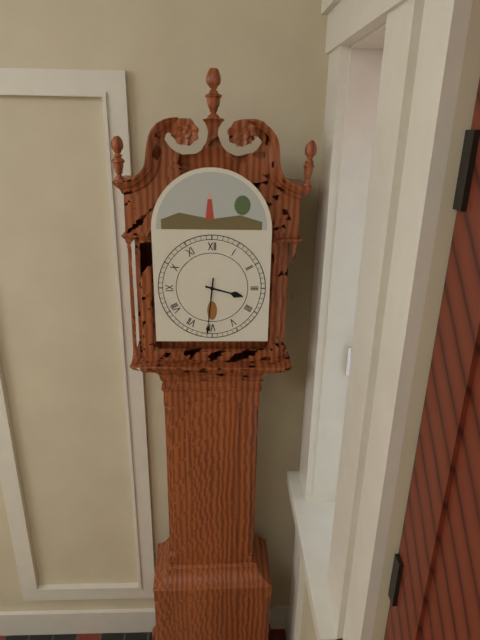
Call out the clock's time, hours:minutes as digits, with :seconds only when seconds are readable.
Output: 3:31
